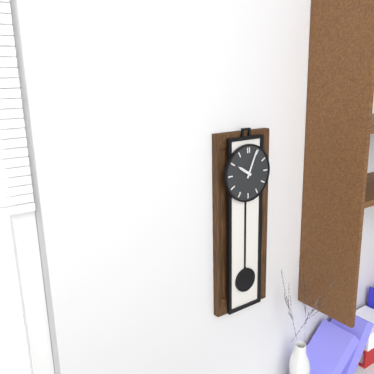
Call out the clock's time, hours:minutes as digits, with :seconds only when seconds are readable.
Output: 10:04
